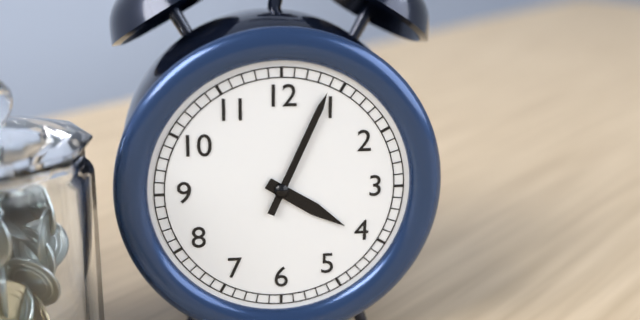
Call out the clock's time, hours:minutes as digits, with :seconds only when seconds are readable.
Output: 4:04
